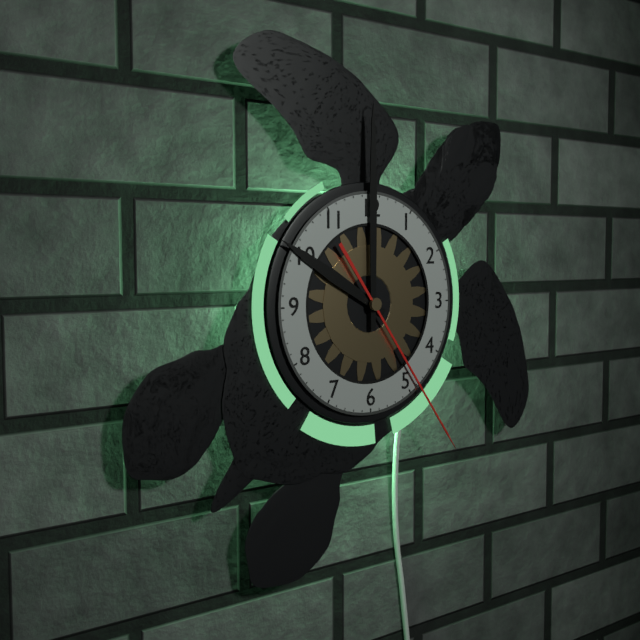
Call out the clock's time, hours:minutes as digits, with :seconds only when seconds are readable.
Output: 10:00:24
